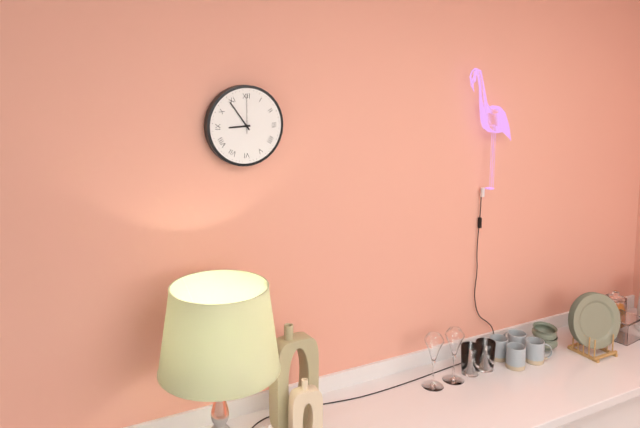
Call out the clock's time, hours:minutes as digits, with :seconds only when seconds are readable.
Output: 8:54
